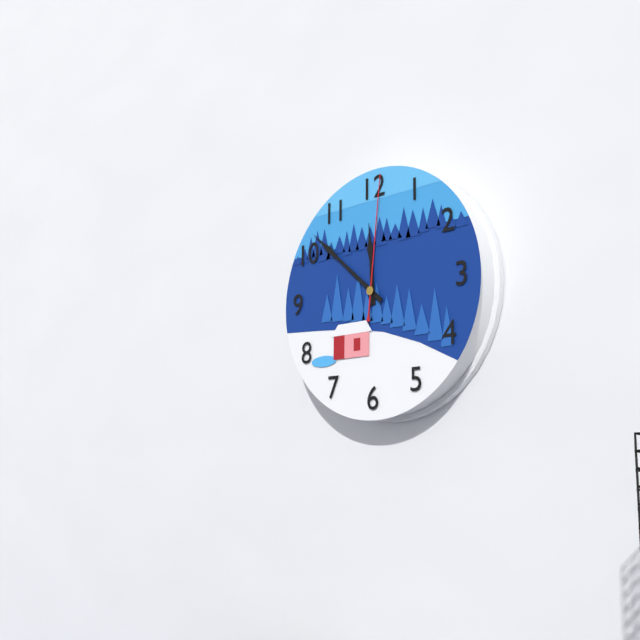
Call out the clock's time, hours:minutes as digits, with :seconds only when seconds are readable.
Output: 11:52:01
